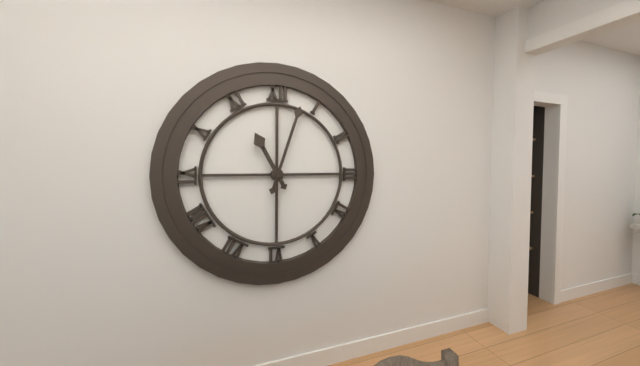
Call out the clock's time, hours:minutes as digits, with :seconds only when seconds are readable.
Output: 11:03
